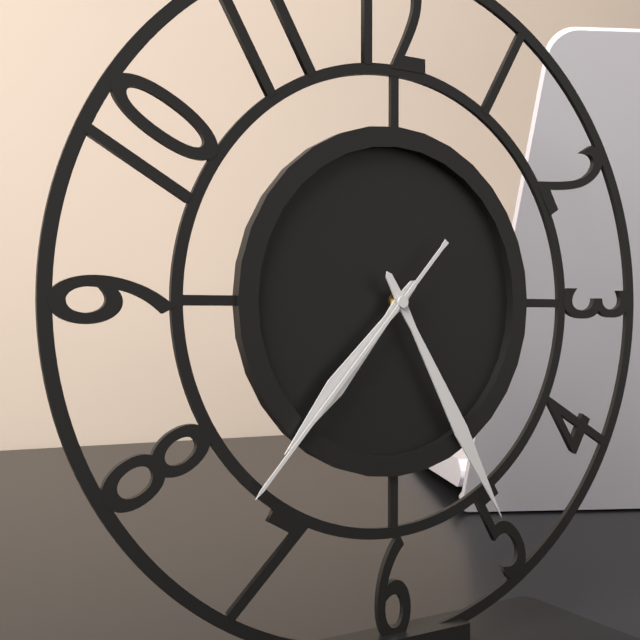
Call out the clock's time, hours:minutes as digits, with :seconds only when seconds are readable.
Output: 7:25:37
